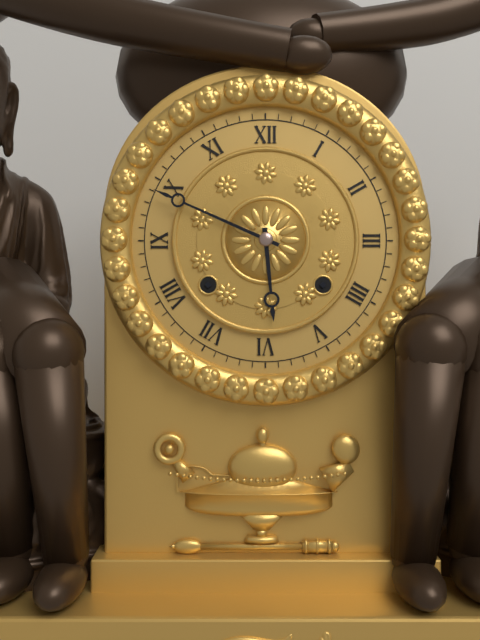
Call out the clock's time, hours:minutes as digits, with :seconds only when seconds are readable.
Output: 5:49
